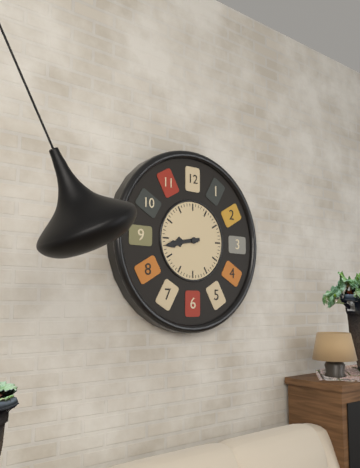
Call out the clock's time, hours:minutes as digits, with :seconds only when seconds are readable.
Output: 8:43
